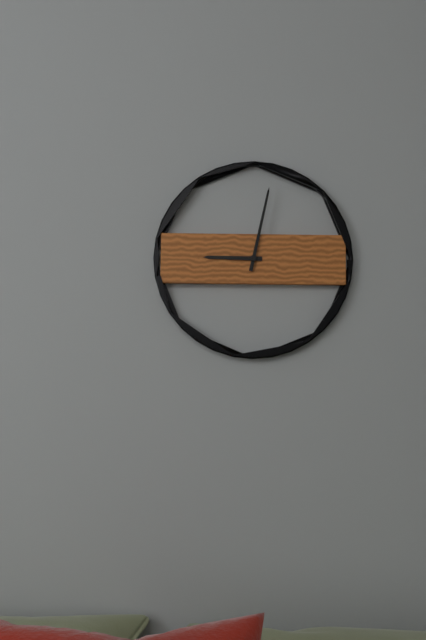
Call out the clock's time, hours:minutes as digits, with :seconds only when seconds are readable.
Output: 9:02
